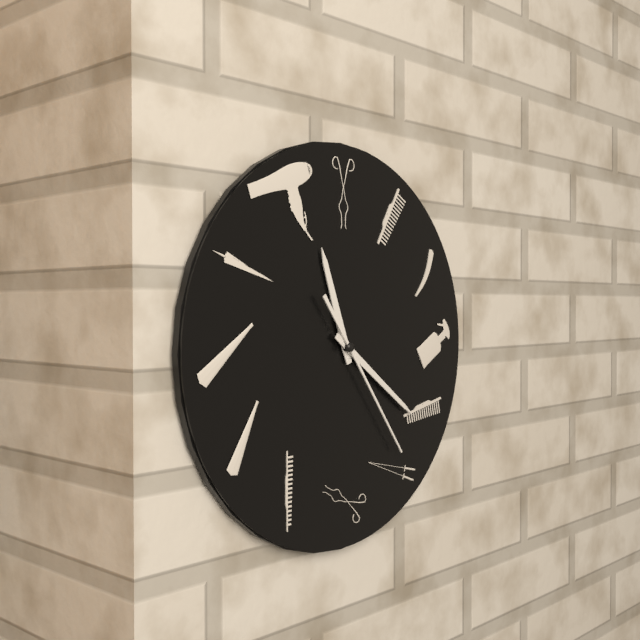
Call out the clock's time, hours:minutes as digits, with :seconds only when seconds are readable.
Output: 11:21:24
